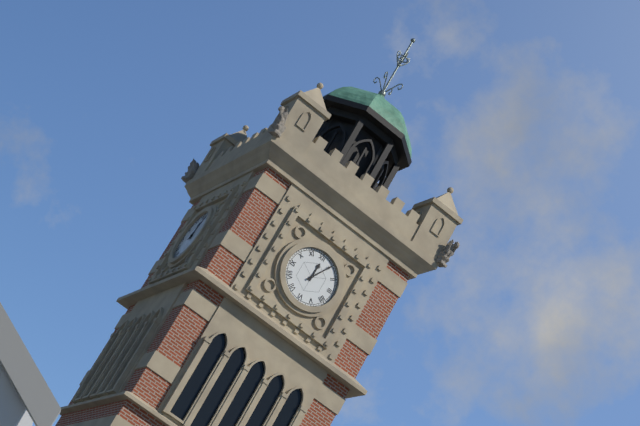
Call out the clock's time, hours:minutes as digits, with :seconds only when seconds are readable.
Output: 12:05
